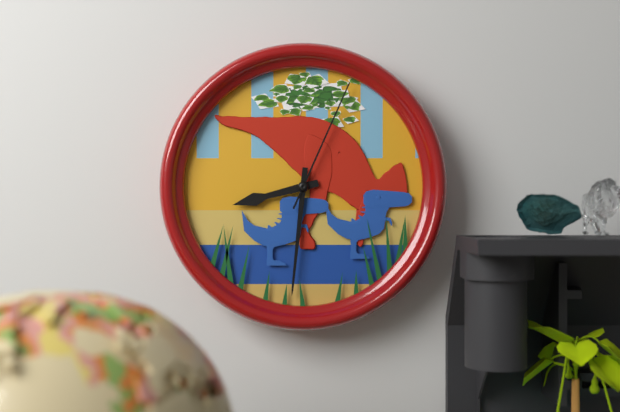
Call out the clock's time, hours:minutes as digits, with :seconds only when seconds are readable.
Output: 8:31:04
